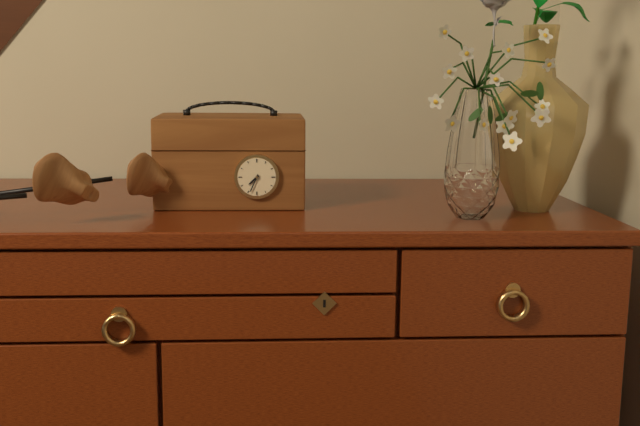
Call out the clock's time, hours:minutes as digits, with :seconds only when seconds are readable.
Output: 7:34
